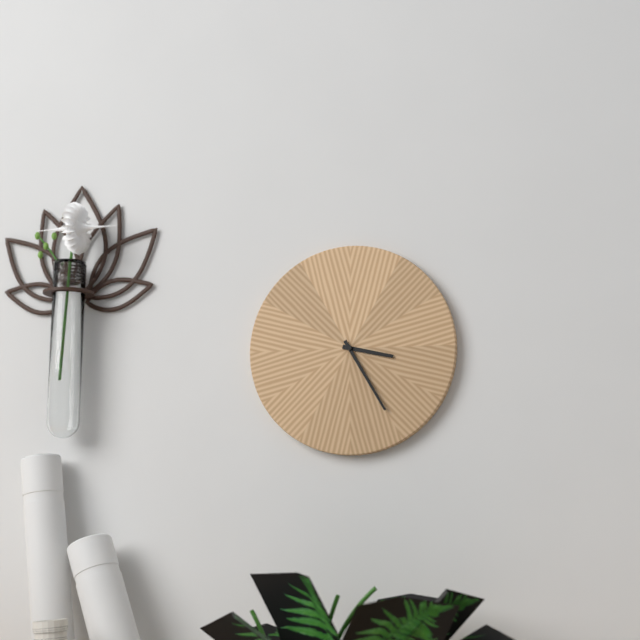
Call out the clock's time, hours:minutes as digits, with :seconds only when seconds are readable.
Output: 3:25
